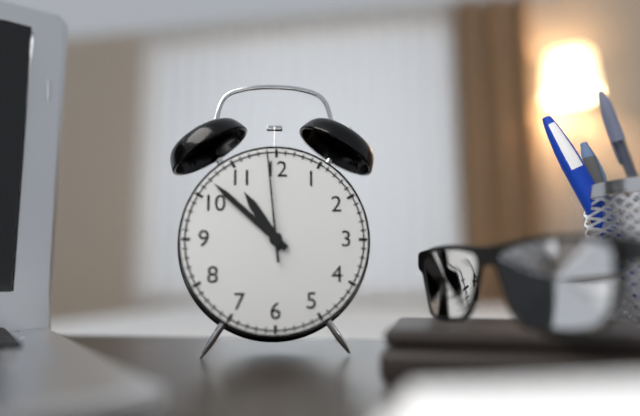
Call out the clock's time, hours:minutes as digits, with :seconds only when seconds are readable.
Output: 10:52:59
